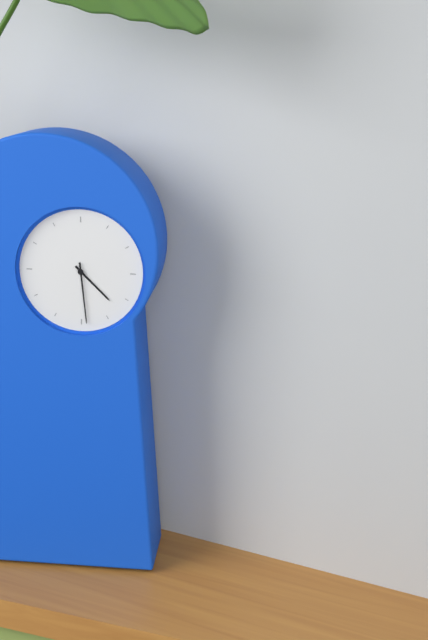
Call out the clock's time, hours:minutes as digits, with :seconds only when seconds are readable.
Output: 4:29
